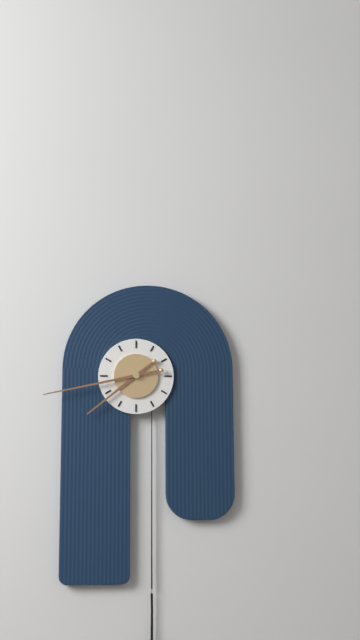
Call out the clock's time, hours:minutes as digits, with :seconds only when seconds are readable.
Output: 7:43
